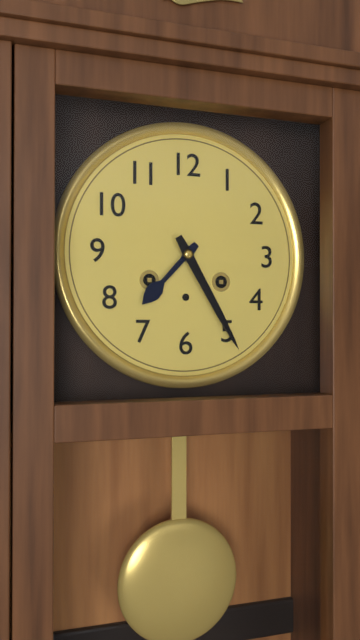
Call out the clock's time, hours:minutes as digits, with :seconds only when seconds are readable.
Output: 7:25
